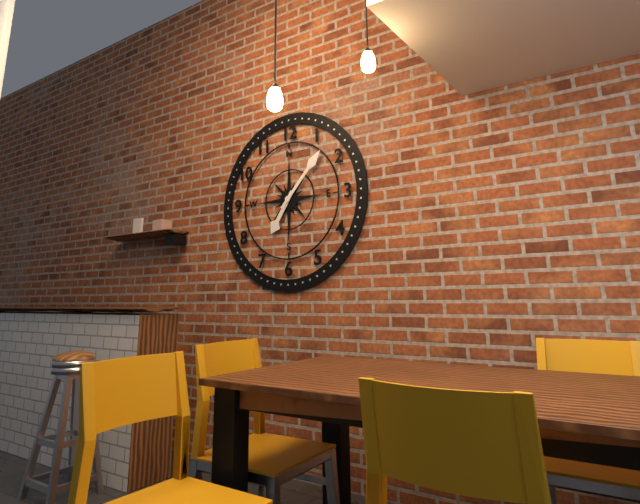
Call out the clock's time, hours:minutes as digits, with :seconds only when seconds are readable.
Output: 7:07
